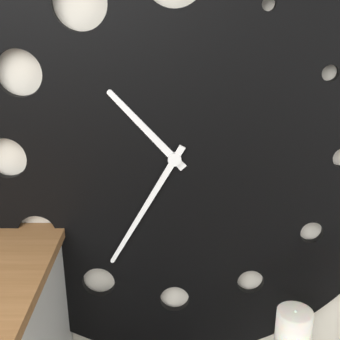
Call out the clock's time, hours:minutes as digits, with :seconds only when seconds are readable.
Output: 10:35
